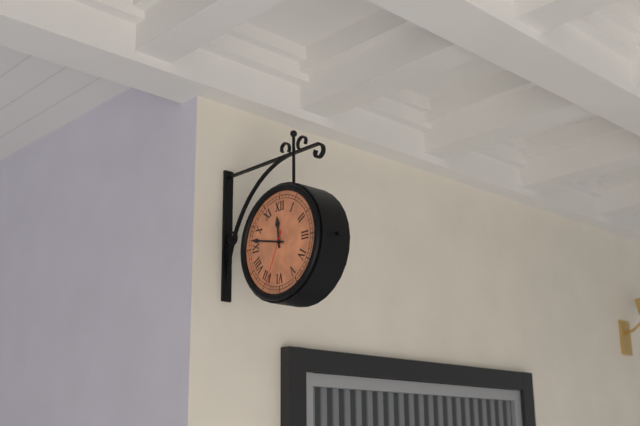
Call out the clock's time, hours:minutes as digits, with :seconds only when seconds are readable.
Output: 11:47:34
